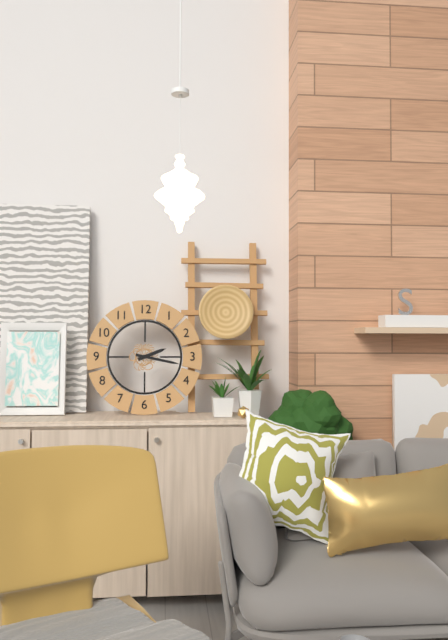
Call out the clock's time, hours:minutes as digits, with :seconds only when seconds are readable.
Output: 2:17
